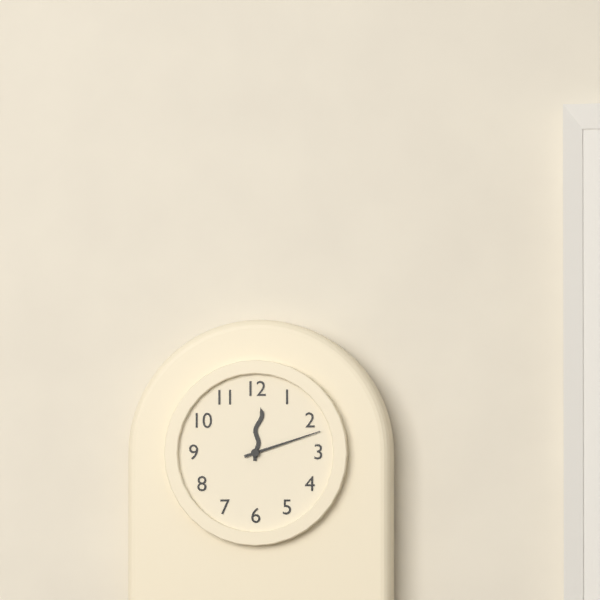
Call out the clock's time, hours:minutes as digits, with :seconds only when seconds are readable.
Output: 12:12
